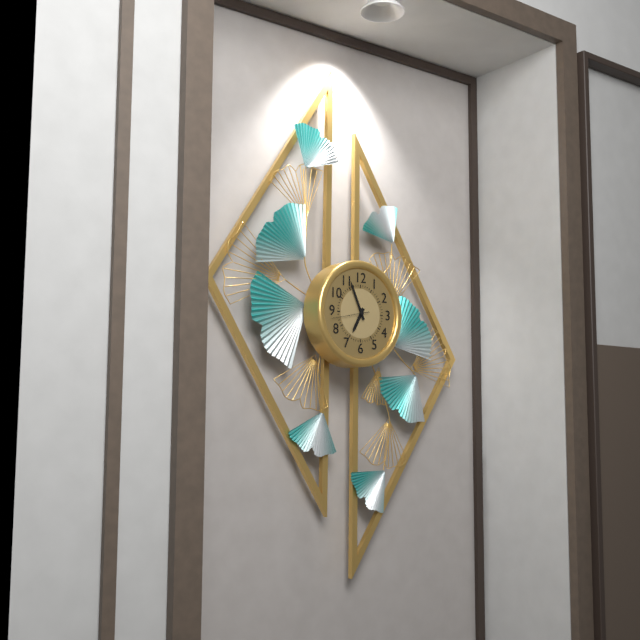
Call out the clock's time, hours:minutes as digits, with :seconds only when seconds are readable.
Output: 6:56
